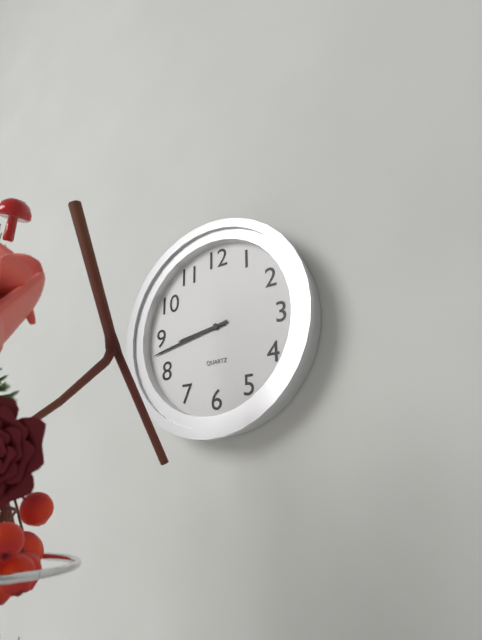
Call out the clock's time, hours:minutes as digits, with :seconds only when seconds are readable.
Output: 8:43
